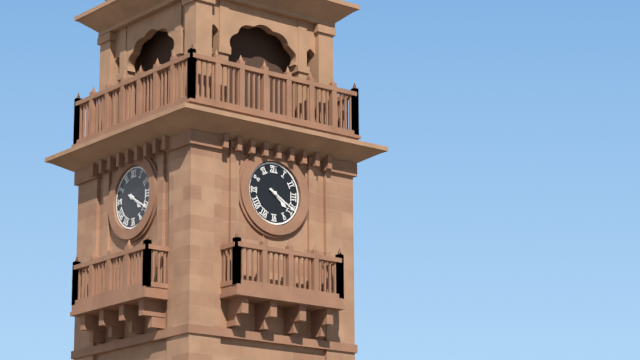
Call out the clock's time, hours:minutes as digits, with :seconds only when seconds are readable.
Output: 4:20
